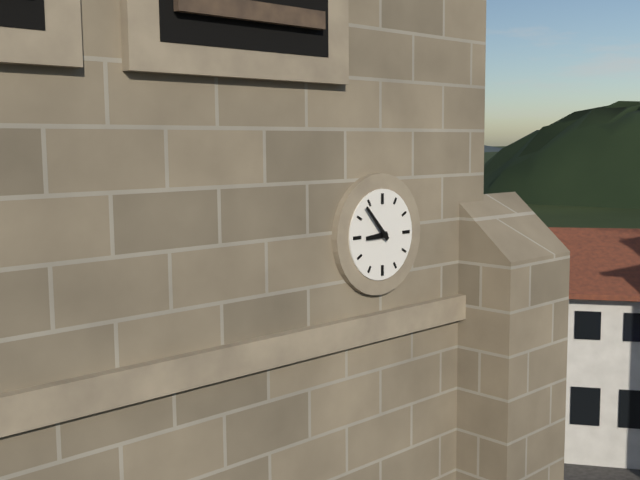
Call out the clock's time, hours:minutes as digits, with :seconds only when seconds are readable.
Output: 8:53
